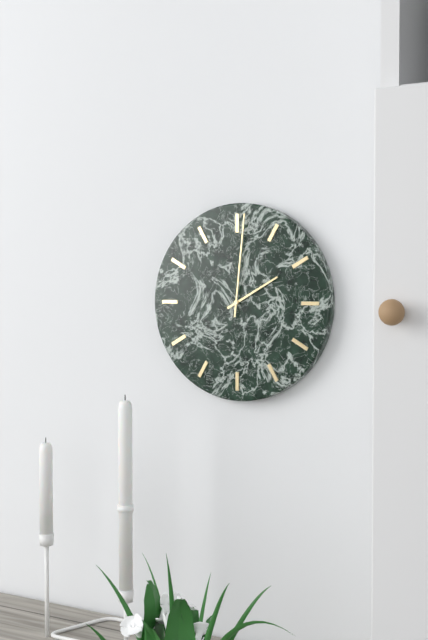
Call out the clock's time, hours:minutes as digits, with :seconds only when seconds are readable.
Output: 2:01
